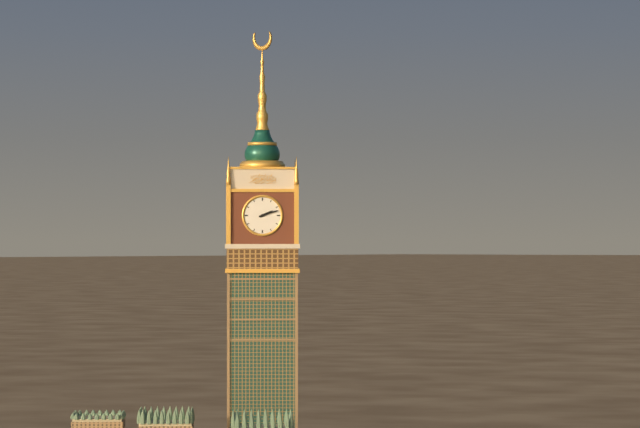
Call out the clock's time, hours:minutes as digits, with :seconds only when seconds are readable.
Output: 2:12
